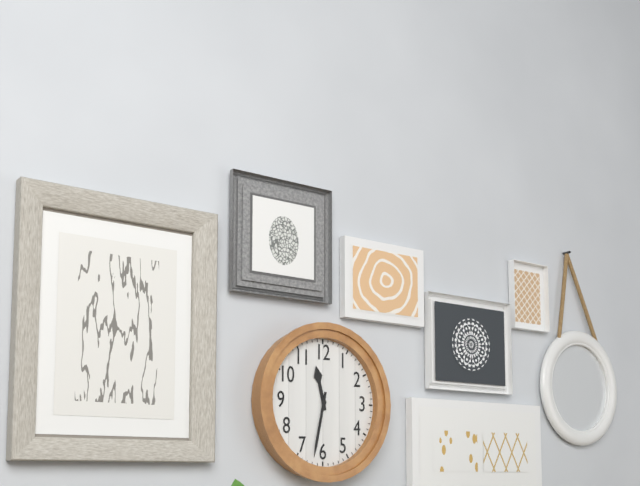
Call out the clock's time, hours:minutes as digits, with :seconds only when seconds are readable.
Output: 11:32
